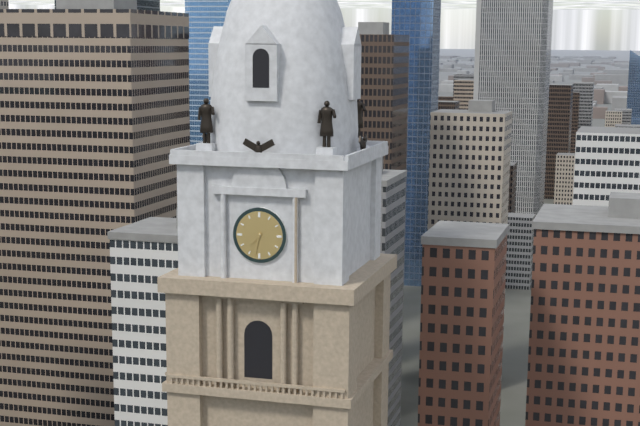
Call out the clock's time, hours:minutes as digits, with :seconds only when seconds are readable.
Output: 7:32
